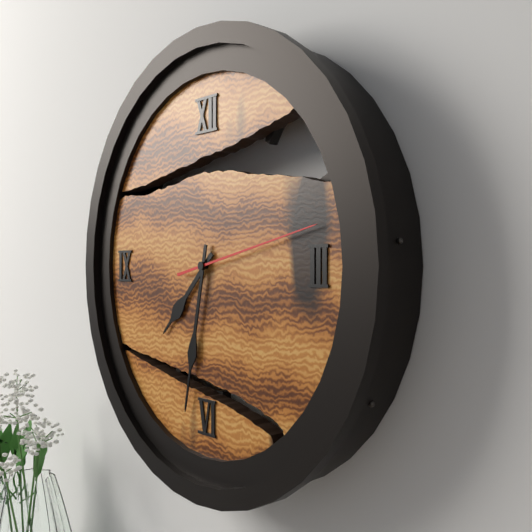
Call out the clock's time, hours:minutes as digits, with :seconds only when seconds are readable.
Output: 7:32:13
